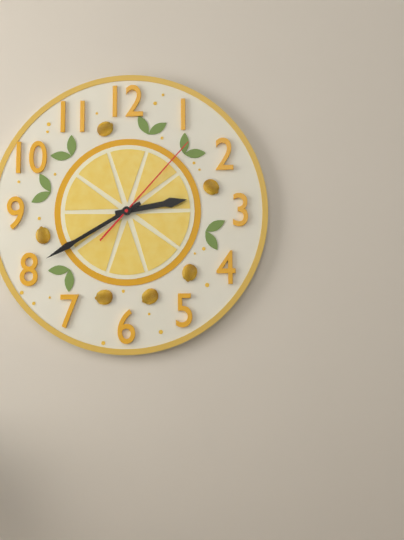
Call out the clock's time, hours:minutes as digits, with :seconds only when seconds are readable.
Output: 2:40:07
